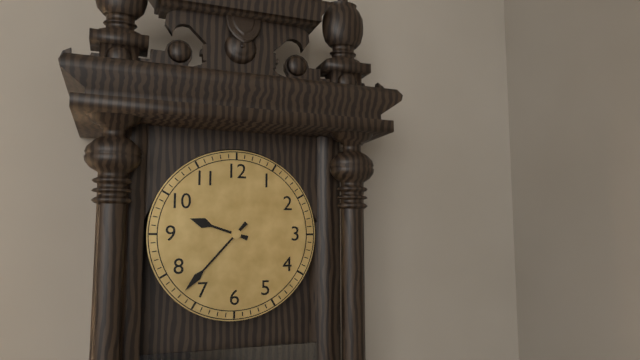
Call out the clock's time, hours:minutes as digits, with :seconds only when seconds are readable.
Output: 9:37
